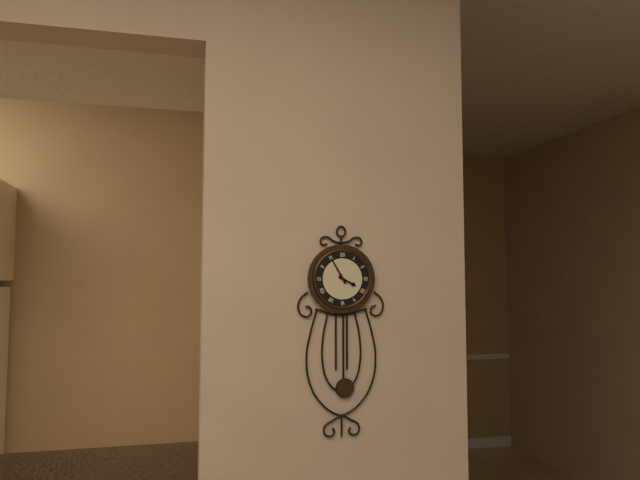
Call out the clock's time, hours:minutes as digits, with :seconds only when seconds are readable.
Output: 3:55
